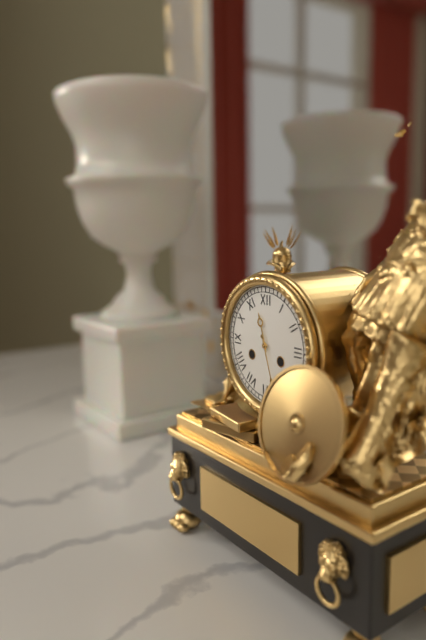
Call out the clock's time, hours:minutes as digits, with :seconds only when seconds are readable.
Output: 11:27
